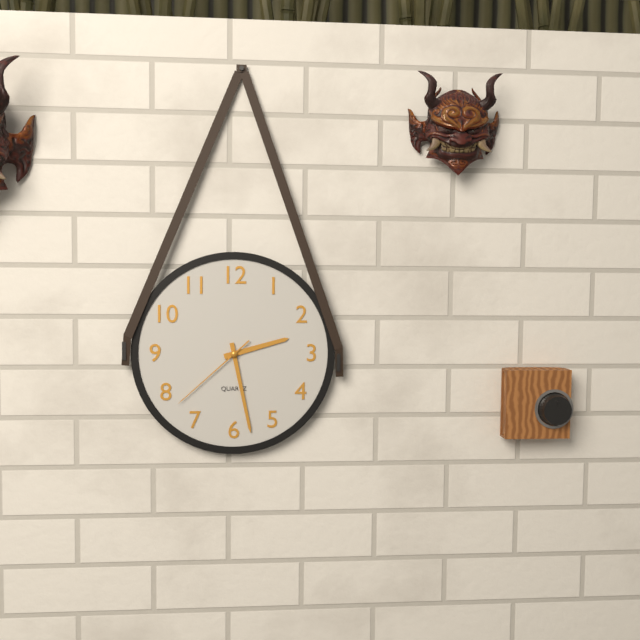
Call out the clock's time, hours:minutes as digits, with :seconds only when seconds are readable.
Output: 2:28:38
